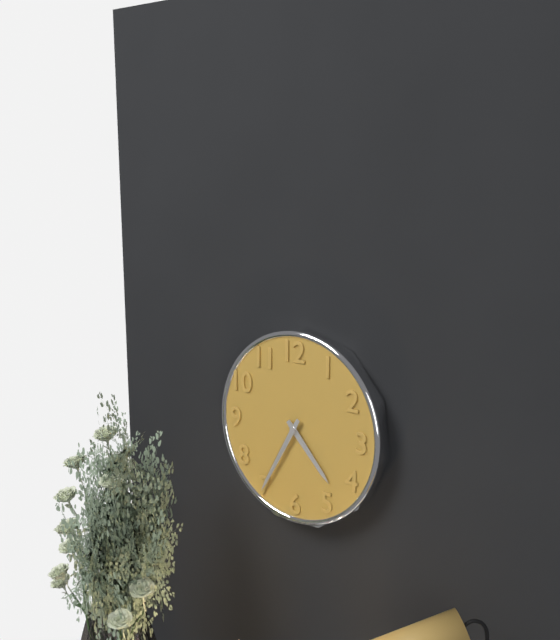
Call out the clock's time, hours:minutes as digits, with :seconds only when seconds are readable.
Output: 4:35
